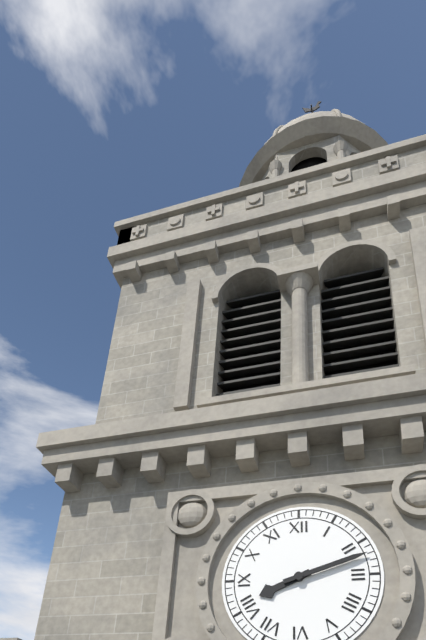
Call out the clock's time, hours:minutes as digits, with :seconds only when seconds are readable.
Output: 8:12
